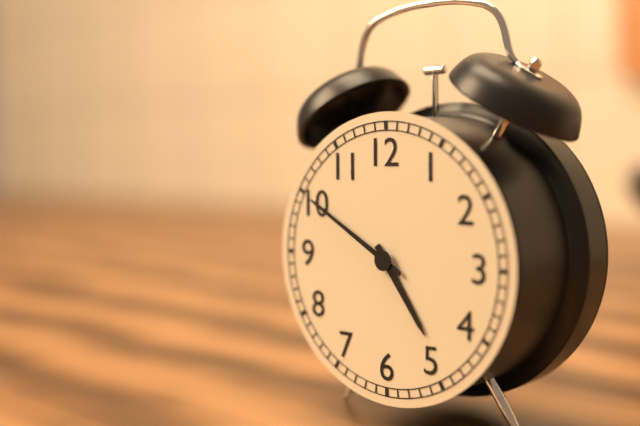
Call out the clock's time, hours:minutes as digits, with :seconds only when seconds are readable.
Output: 4:50
